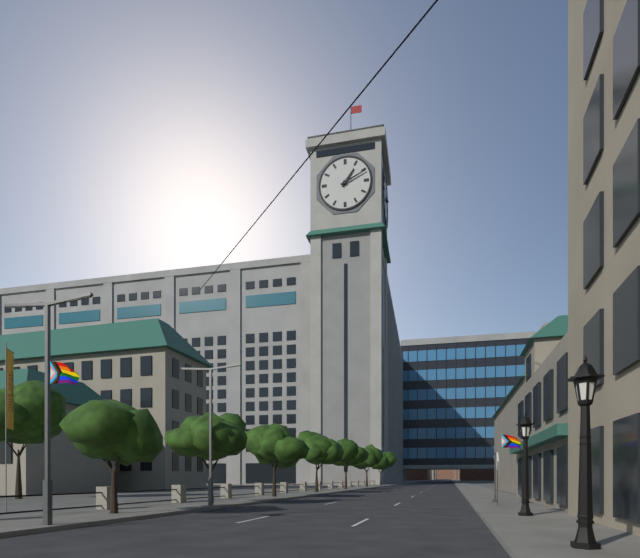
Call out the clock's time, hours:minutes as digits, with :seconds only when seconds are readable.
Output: 1:11
